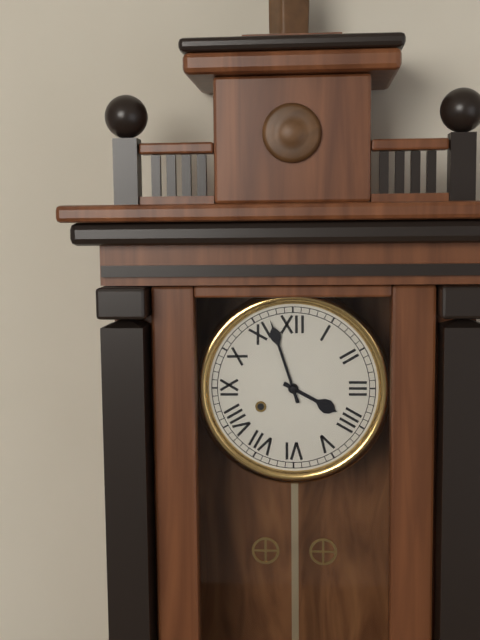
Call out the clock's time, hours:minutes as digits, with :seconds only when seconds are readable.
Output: 3:57
